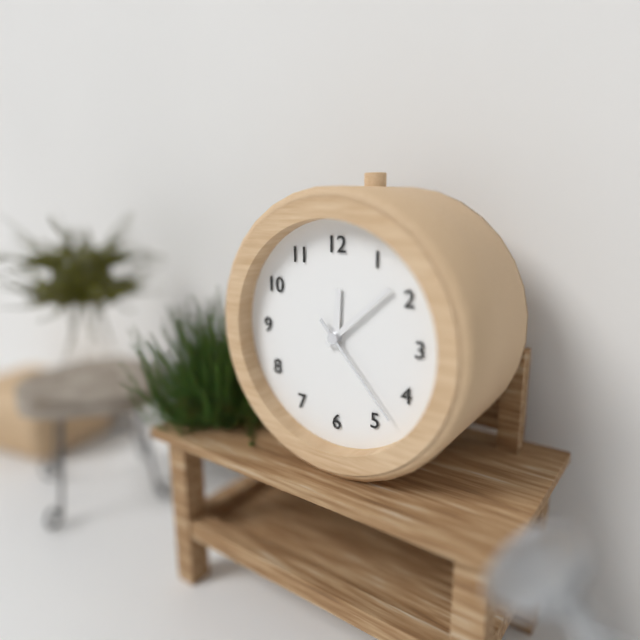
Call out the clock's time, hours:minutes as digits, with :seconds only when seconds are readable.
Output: 12:08:23
